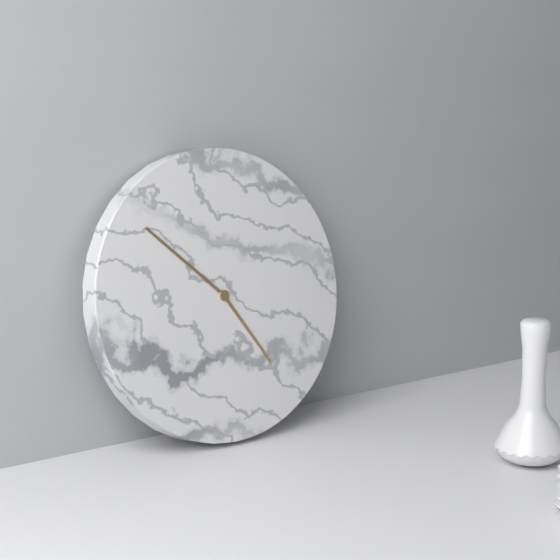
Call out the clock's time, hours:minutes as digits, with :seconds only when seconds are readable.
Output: 4:52
